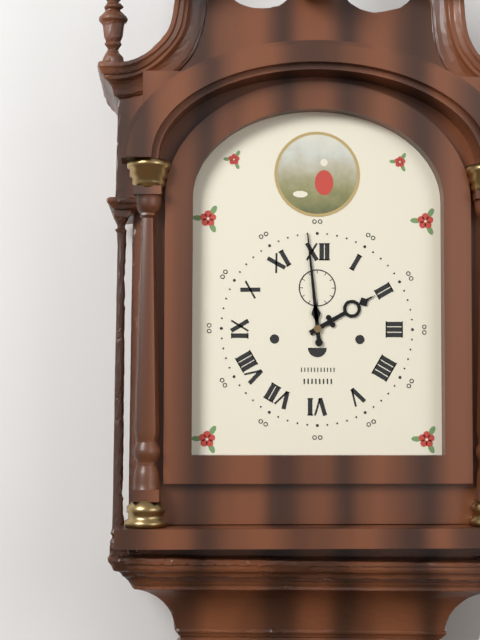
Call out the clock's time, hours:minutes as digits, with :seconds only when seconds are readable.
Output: 1:59
